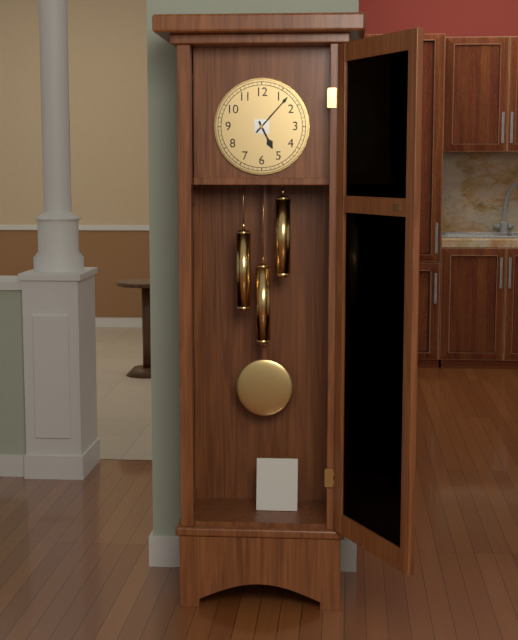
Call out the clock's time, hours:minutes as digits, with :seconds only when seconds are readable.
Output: 5:07
